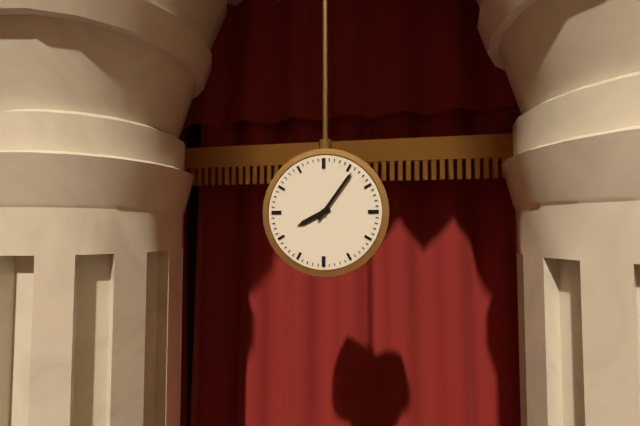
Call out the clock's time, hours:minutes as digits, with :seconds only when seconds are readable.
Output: 8:06
